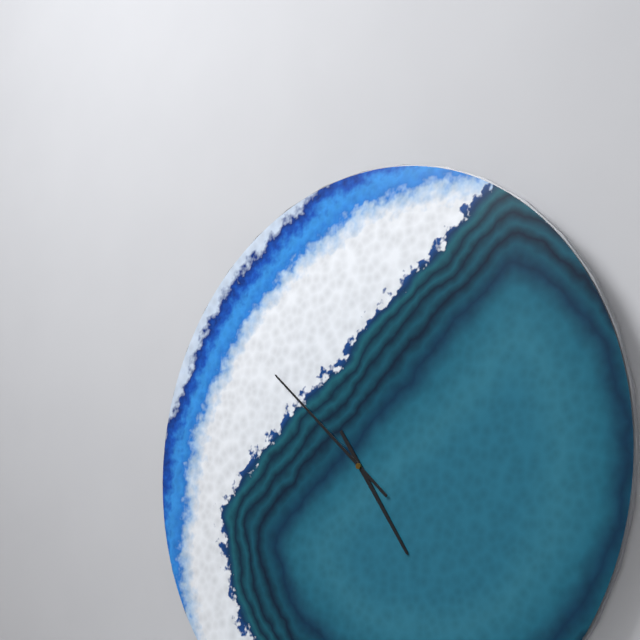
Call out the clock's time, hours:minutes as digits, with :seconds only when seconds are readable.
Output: 4:52
